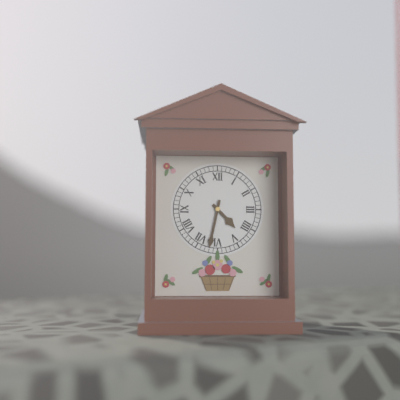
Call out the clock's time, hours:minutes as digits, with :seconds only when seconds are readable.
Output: 4:32
